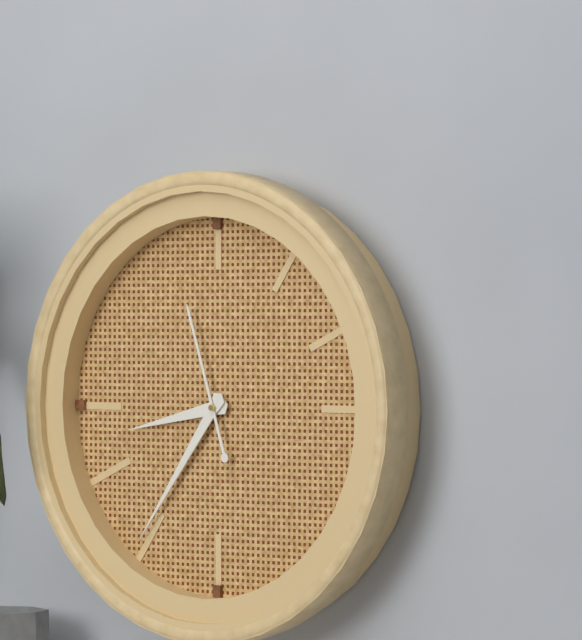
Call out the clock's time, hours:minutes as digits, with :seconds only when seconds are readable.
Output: 8:36:57
